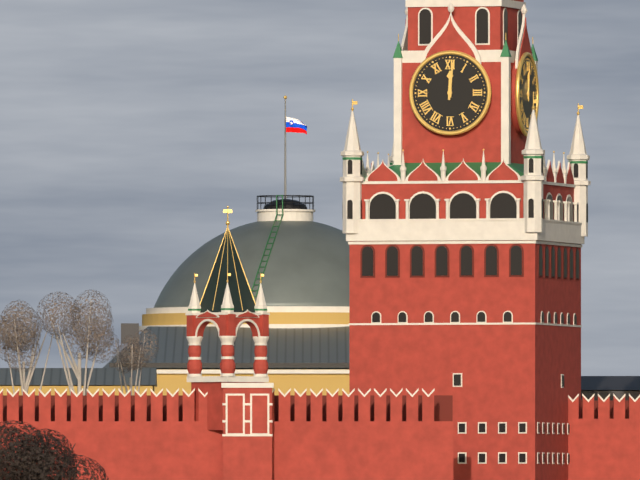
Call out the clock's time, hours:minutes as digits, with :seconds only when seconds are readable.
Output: 12:01
